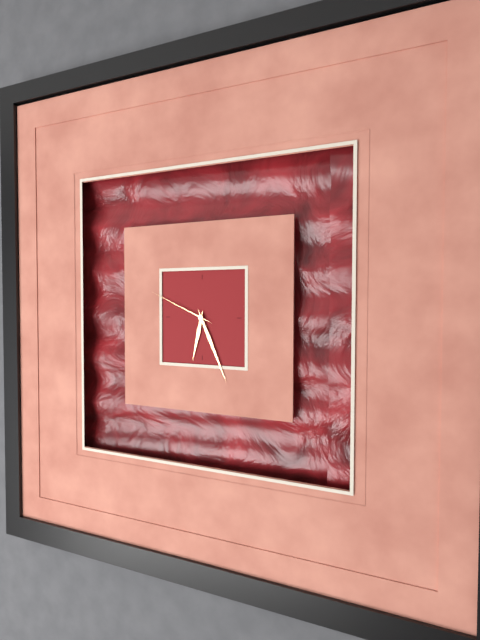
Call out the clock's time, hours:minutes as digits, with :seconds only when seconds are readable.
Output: 6:26:49
